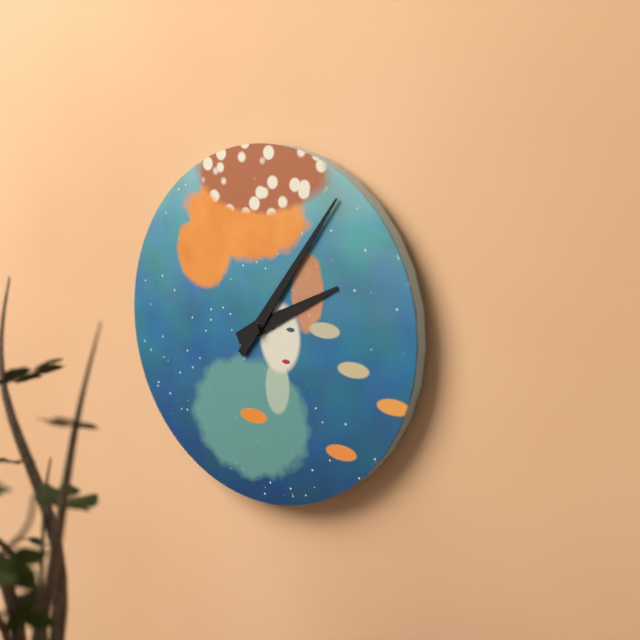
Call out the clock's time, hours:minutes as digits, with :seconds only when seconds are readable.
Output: 2:06
